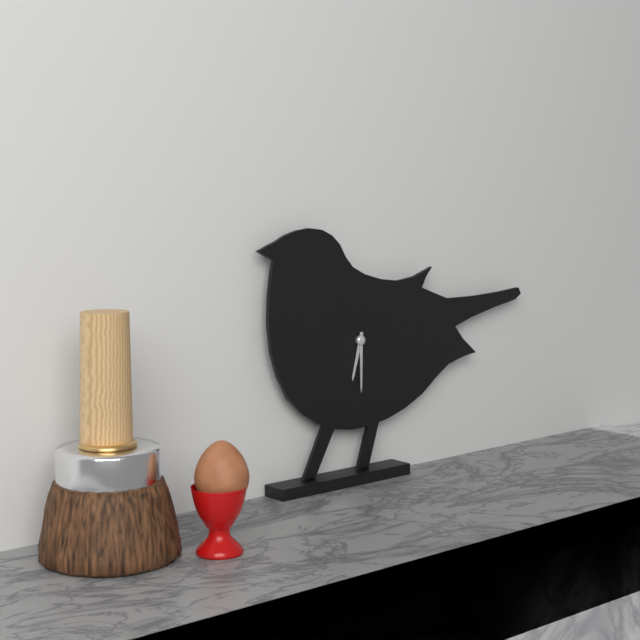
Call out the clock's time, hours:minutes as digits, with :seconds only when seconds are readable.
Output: 6:30
